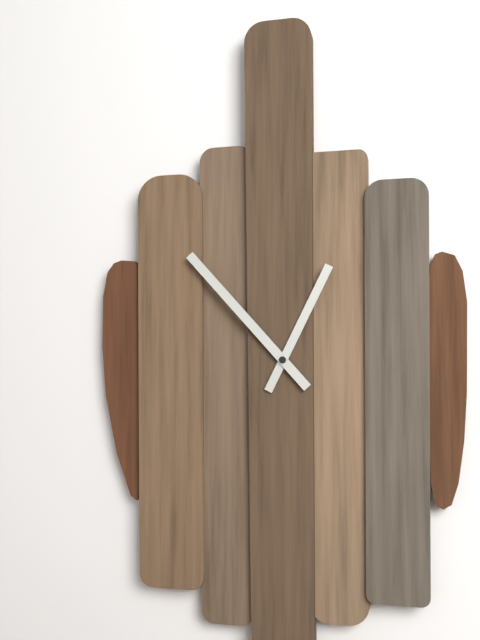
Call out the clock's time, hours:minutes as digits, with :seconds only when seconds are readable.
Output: 12:53
